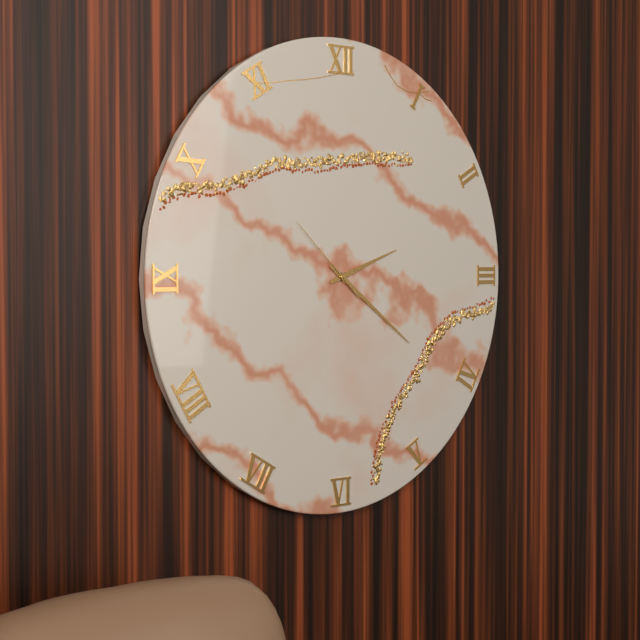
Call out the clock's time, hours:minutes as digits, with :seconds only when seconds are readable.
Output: 2:21:52
